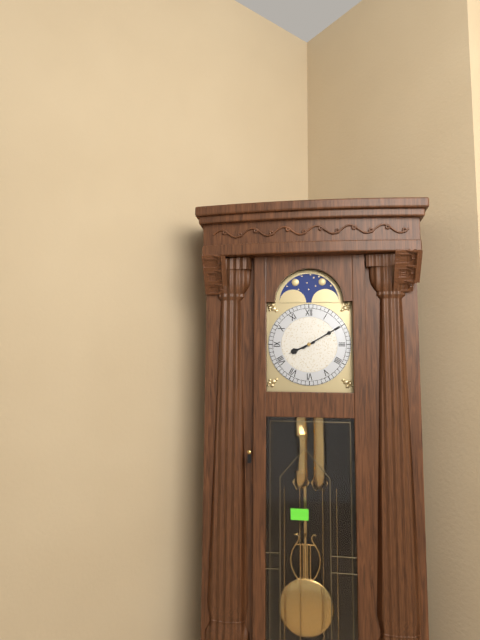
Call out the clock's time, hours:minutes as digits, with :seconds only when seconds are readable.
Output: 8:10
